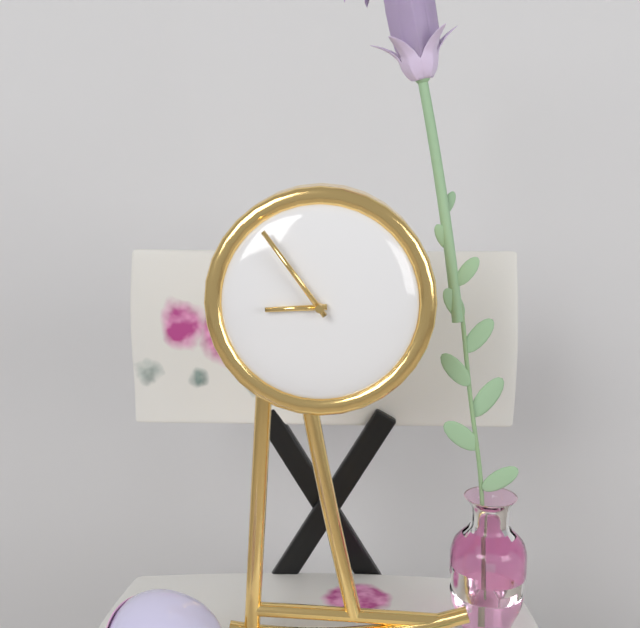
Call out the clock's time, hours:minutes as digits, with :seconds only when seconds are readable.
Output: 8:54
